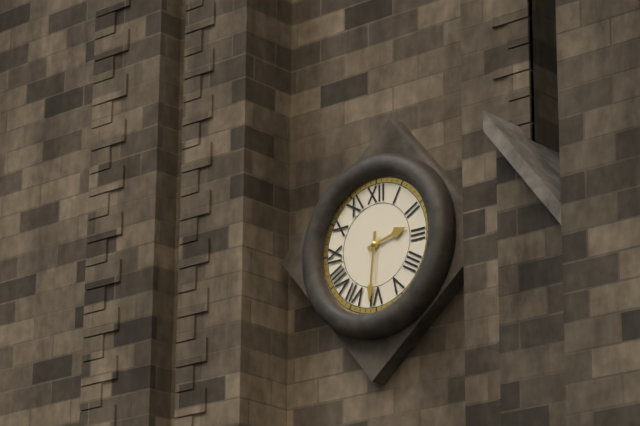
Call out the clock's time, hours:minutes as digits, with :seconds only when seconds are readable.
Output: 2:31
